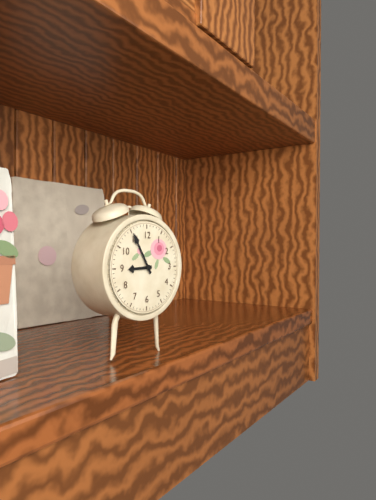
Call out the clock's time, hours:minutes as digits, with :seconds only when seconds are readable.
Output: 8:55
